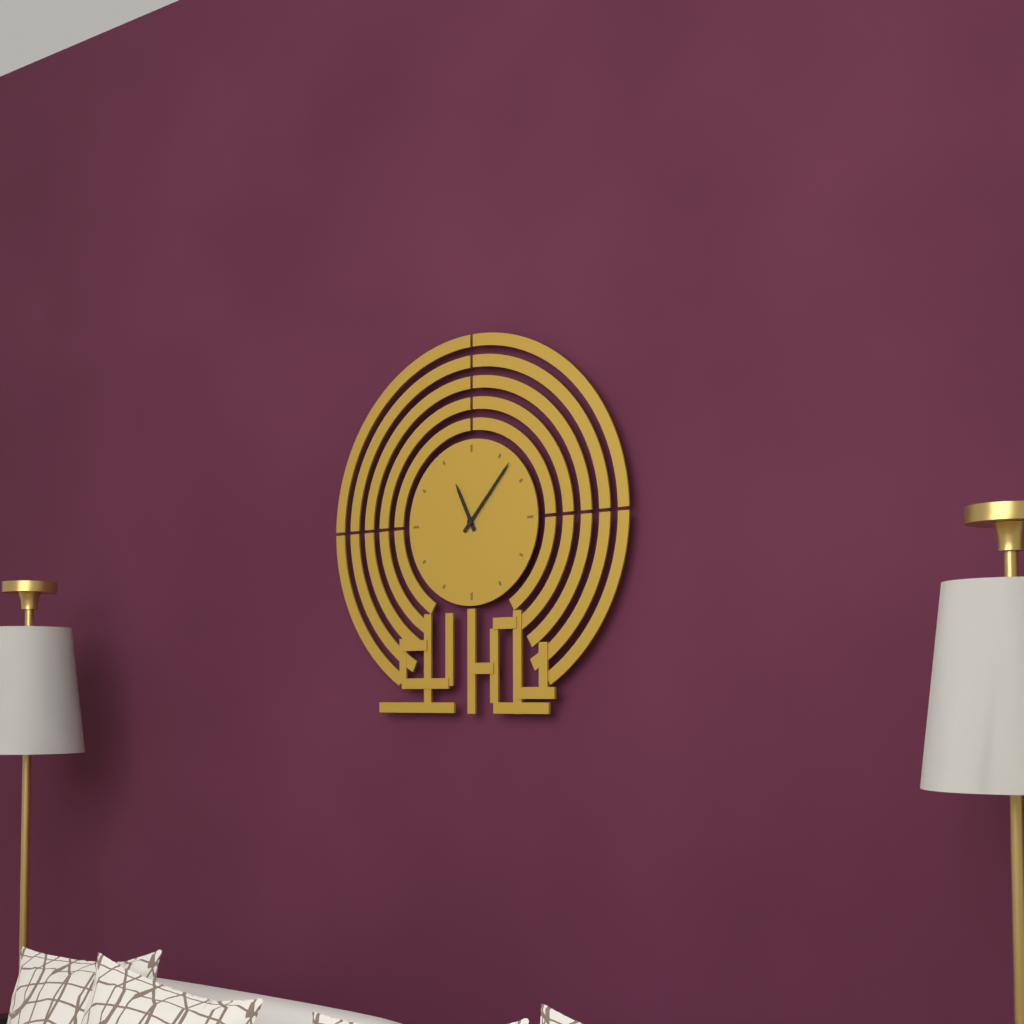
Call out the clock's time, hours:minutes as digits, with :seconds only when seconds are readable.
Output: 11:07
